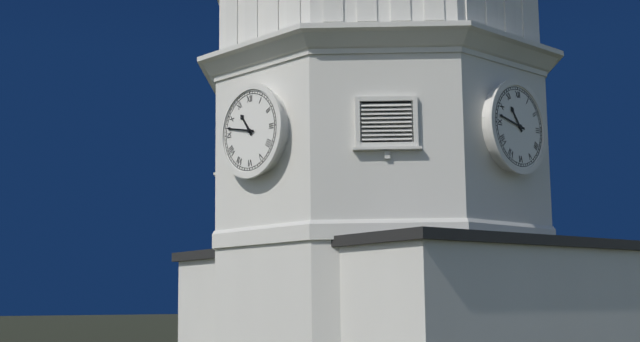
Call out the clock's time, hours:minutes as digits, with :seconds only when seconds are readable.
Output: 10:47
